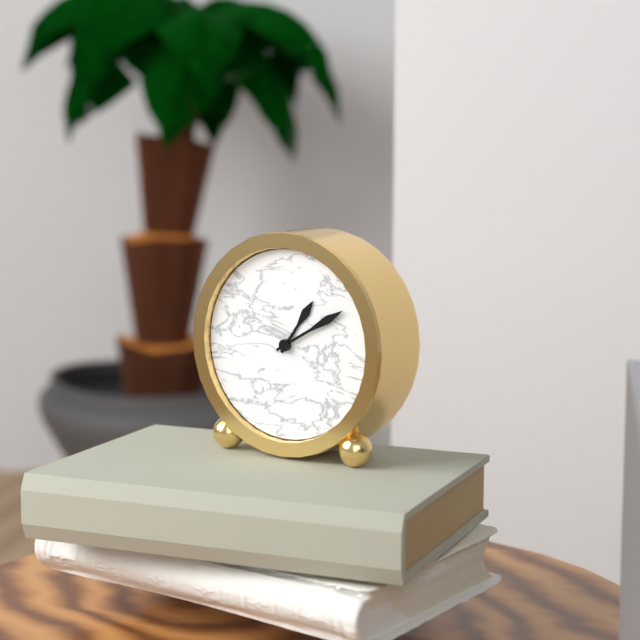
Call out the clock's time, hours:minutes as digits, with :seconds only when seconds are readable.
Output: 1:10
